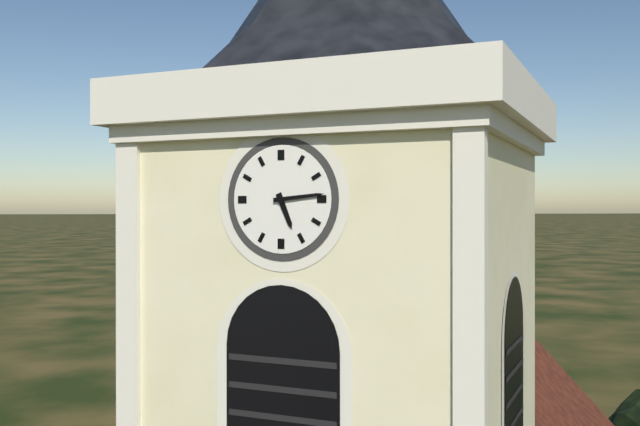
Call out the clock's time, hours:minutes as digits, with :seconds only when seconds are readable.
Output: 5:14
